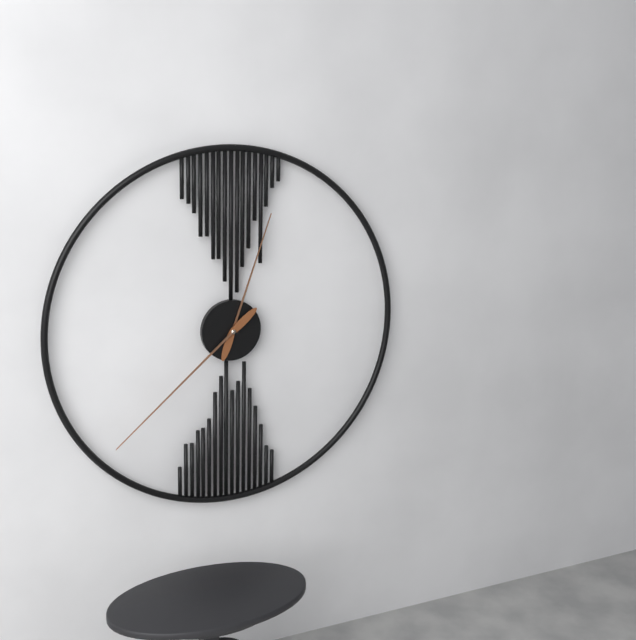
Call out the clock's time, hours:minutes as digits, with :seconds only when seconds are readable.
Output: 12:38
